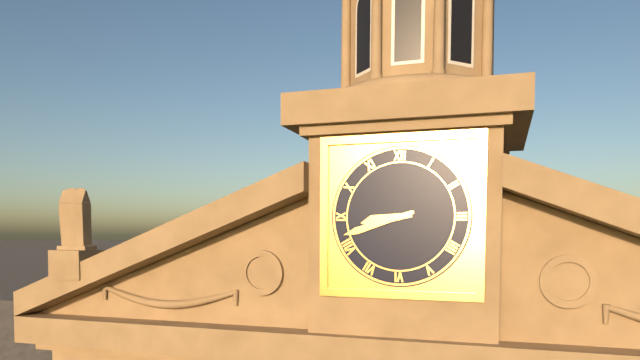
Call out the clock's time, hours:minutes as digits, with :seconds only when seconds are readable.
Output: 8:42
